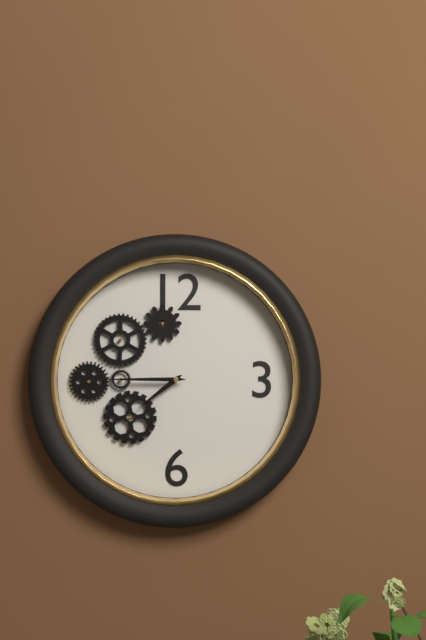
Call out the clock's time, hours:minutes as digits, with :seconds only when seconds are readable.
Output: 7:45
